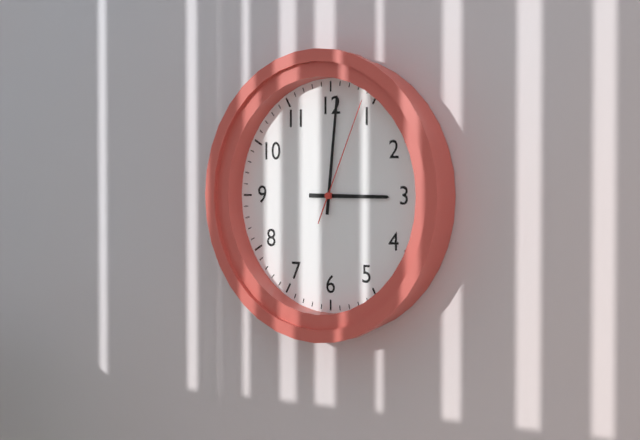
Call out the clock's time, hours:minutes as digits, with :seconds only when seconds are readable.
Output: 3:01:04
